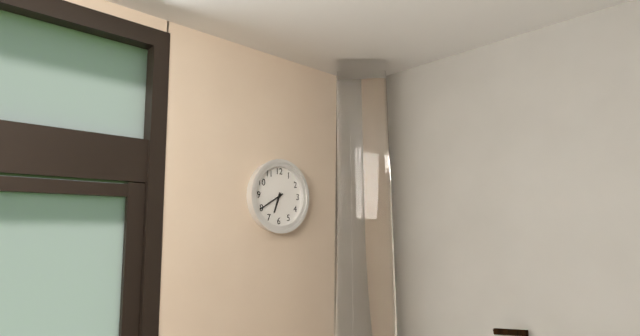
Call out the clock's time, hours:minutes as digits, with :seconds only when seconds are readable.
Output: 6:40
